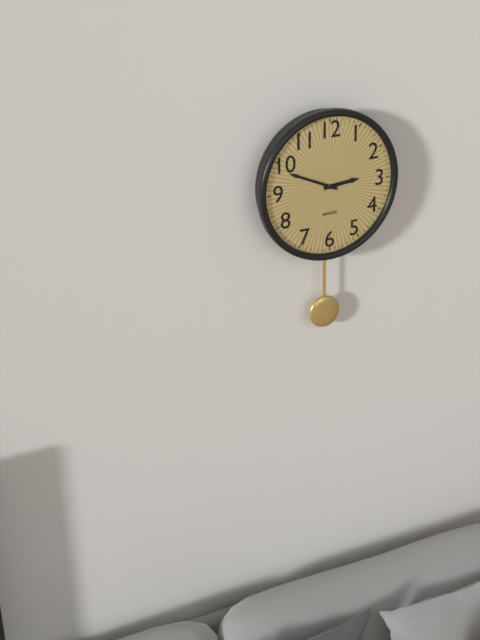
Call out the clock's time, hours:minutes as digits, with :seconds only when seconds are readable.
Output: 2:49
